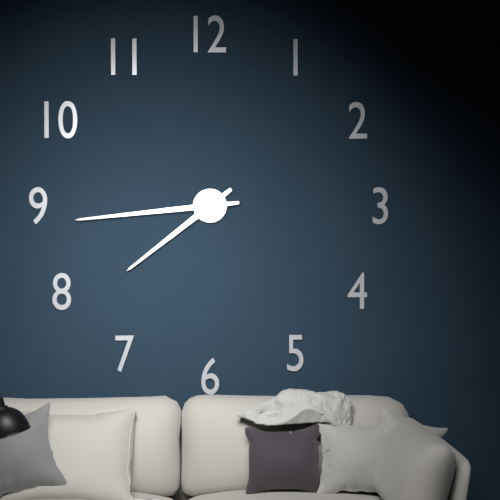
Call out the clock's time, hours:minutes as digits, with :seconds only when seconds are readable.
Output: 7:44
